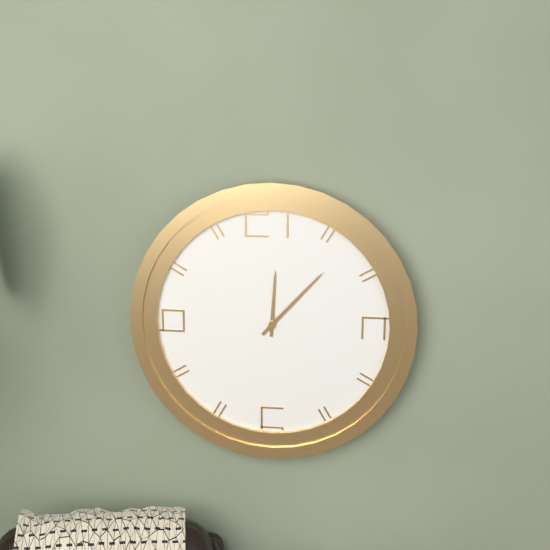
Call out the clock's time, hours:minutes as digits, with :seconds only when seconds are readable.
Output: 12:07
